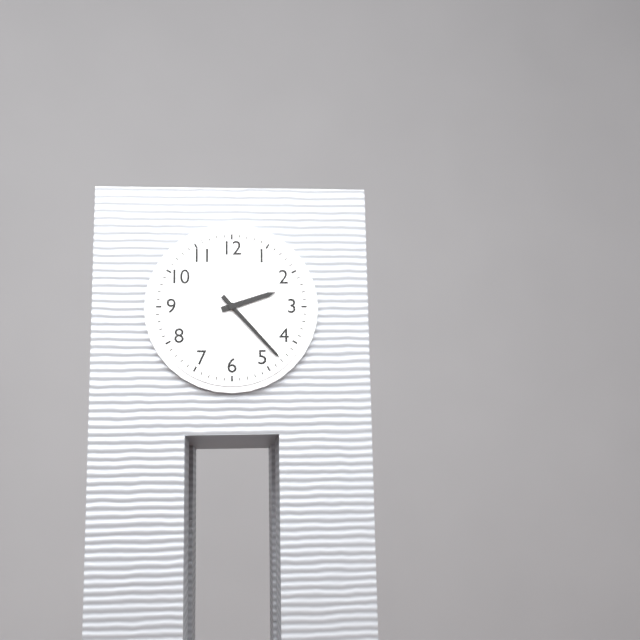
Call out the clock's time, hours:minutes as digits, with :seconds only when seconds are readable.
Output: 2:23
